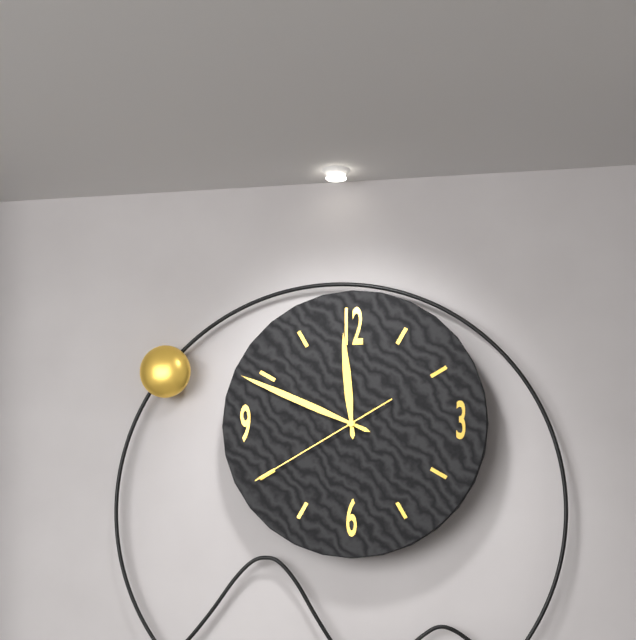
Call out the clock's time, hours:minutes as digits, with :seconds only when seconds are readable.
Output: 11:49:40
